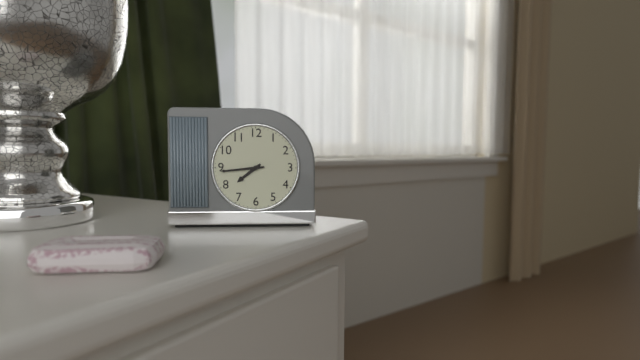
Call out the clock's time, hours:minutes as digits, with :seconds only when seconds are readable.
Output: 7:44
